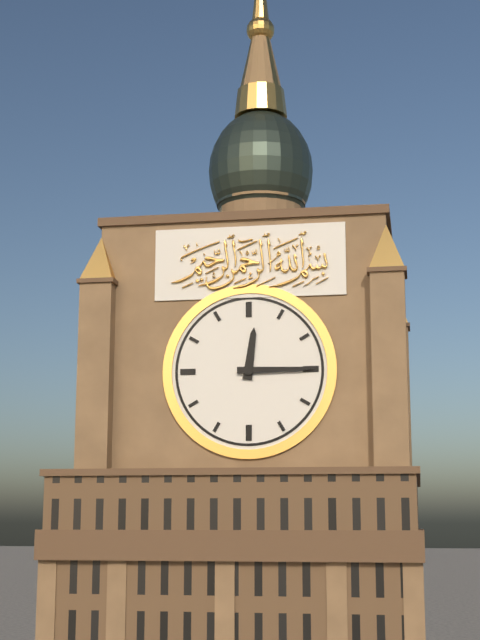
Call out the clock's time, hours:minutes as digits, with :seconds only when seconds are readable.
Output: 12:15
